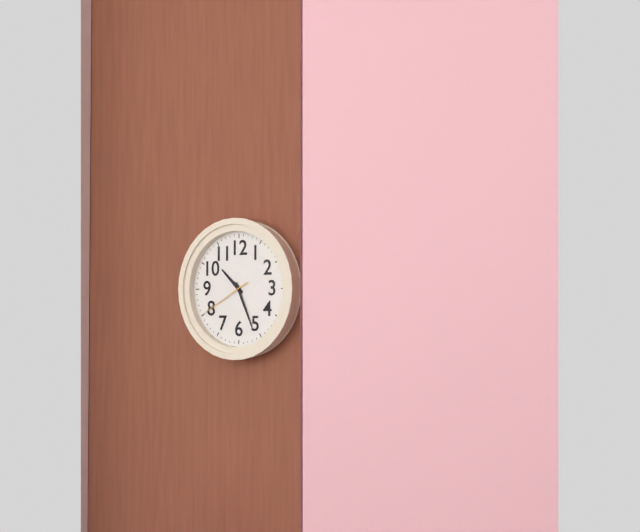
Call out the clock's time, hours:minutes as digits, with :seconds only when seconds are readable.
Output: 10:26:40
